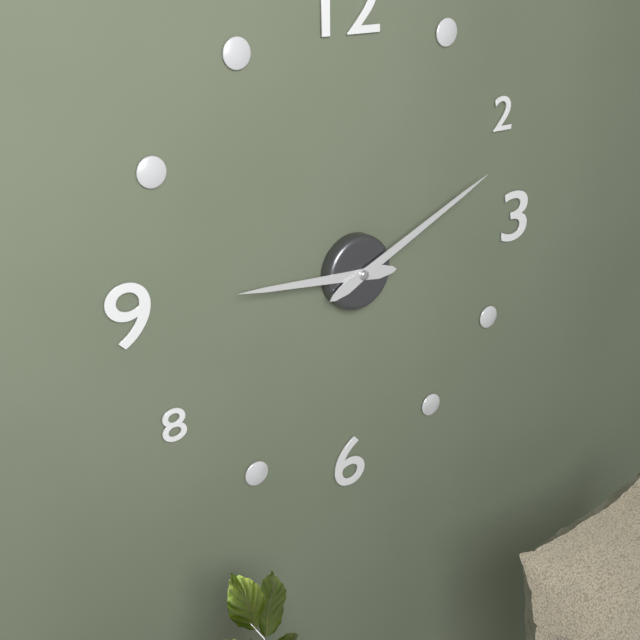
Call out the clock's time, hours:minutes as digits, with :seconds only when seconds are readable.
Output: 9:11
